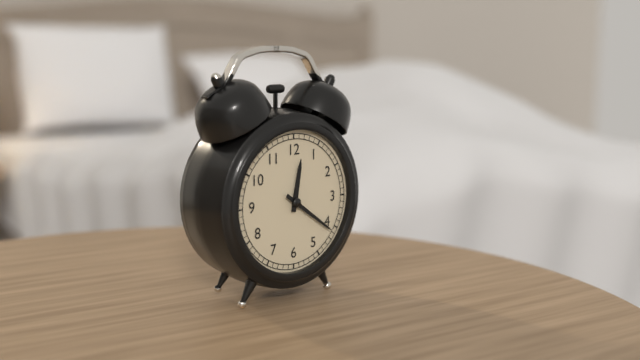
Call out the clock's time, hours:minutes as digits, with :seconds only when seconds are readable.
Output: 12:21
